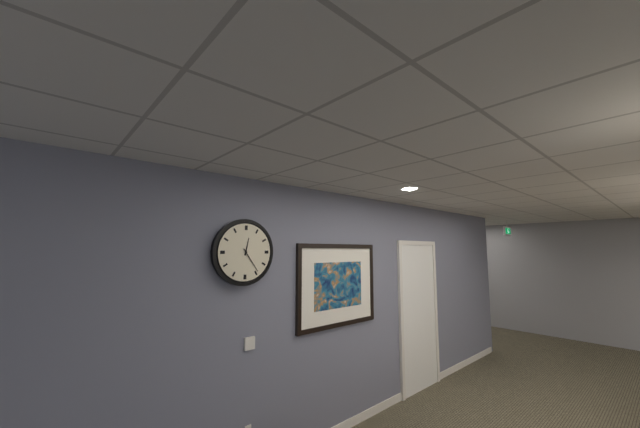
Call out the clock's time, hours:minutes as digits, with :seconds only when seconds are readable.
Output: 12:24
